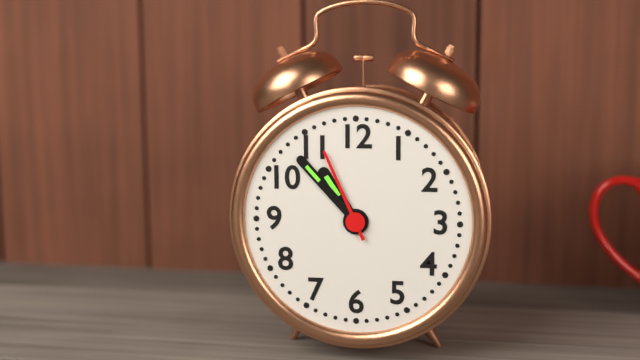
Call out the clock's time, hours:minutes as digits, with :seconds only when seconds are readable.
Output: 10:53:56
